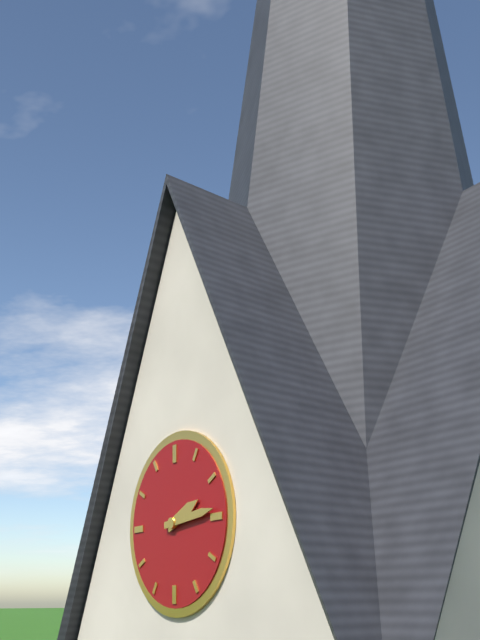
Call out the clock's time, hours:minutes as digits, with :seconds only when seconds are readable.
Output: 2:14
